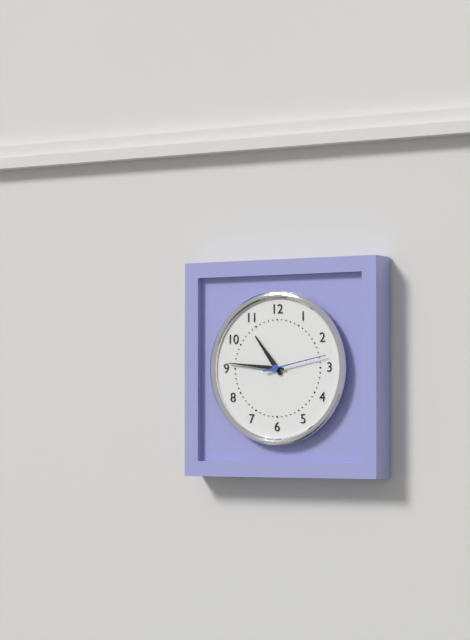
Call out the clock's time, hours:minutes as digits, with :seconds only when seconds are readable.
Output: 10:46:13
